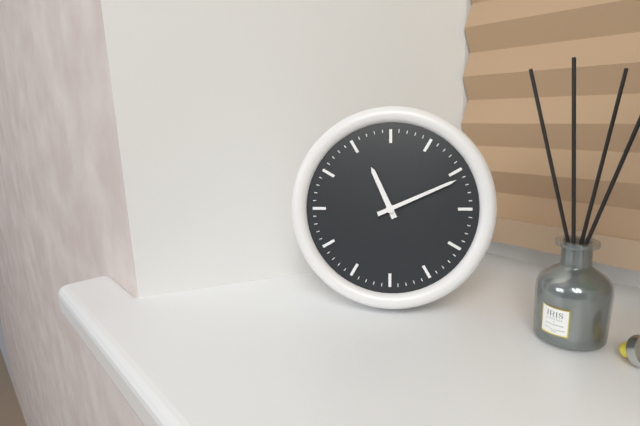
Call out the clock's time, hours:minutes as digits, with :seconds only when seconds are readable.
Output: 11:11
